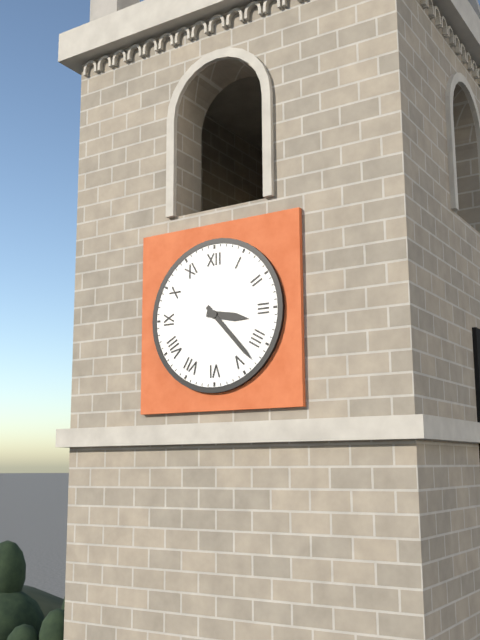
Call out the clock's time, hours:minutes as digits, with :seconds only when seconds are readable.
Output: 3:23
